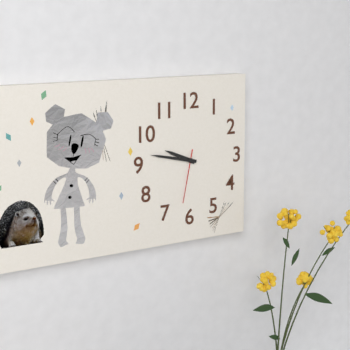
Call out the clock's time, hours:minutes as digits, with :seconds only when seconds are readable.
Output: 9:47:32
